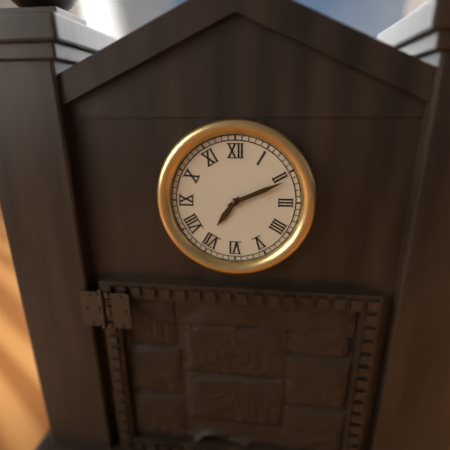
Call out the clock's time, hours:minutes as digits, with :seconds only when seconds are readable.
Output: 7:11
